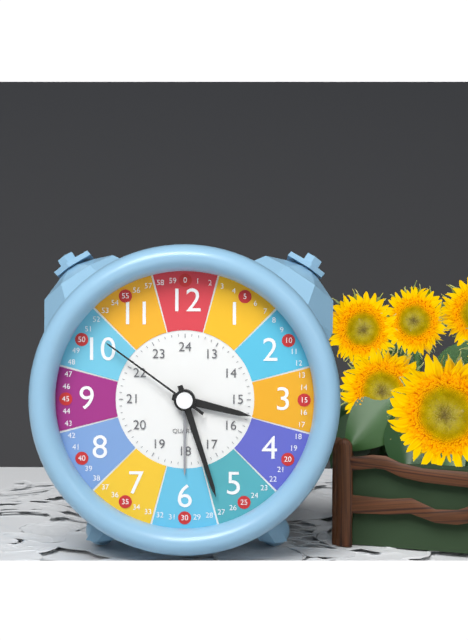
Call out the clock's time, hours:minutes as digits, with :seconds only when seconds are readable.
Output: 3:27:51
